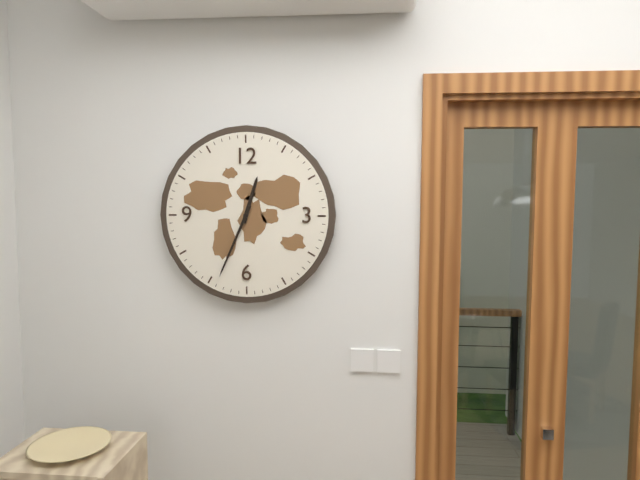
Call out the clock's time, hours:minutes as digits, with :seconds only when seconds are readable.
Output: 12:34
